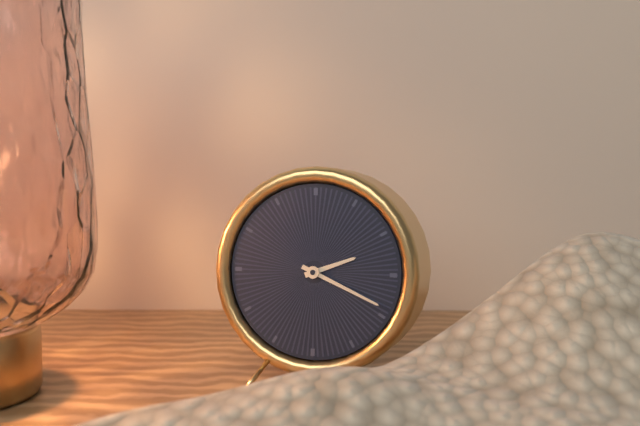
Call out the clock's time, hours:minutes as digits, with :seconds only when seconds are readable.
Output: 2:19
